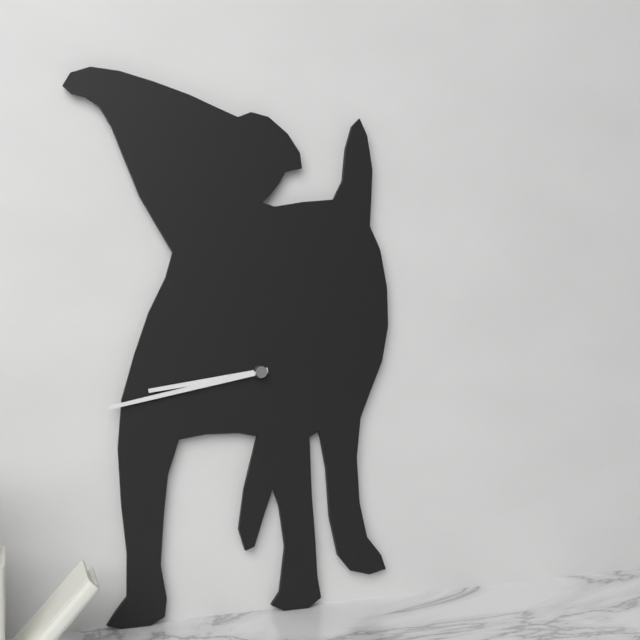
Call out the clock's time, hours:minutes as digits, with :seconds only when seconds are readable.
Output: 8:43
